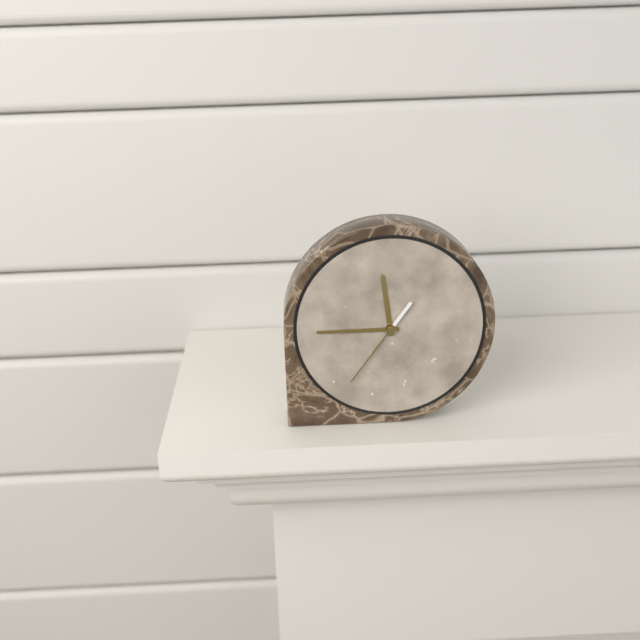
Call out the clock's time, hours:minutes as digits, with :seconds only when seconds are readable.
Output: 11:45:36
